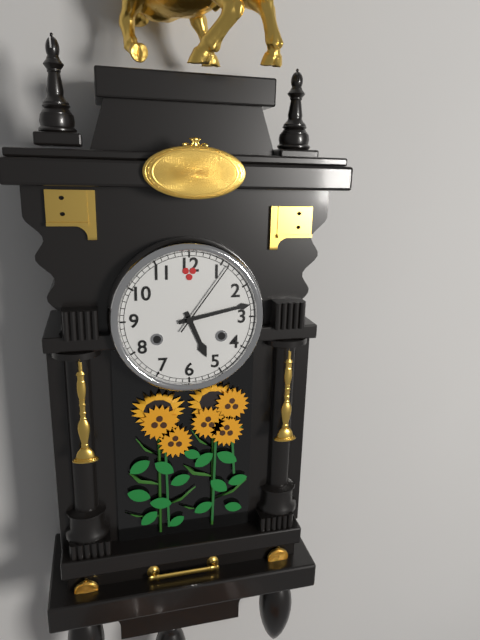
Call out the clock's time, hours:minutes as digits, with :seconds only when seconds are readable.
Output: 5:13:06
